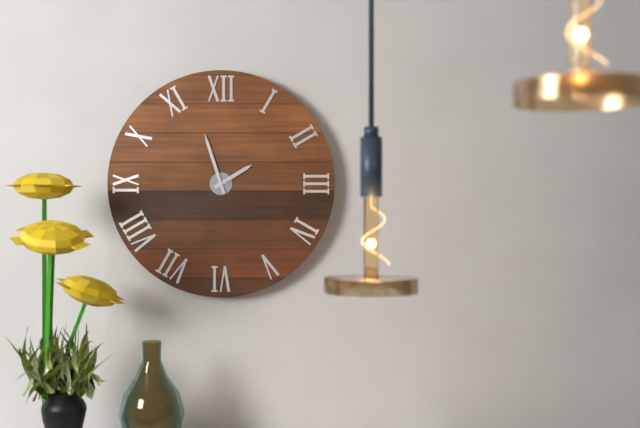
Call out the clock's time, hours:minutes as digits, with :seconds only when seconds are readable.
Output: 1:57
